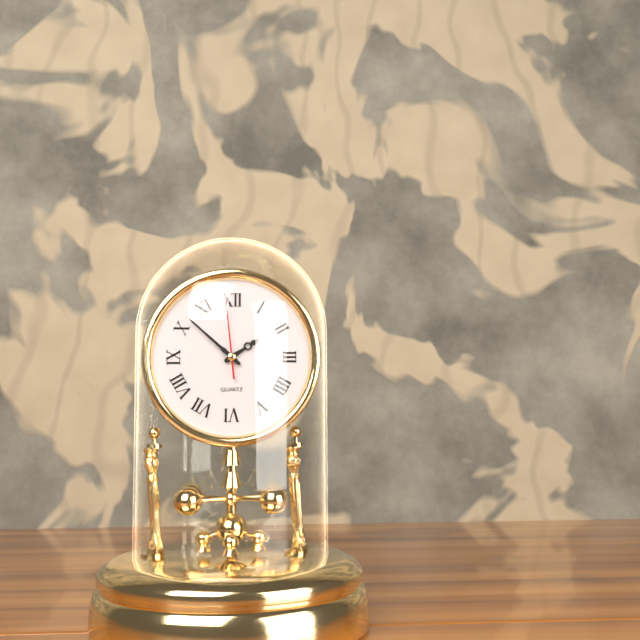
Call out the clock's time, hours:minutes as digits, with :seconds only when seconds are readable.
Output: 1:52:59
